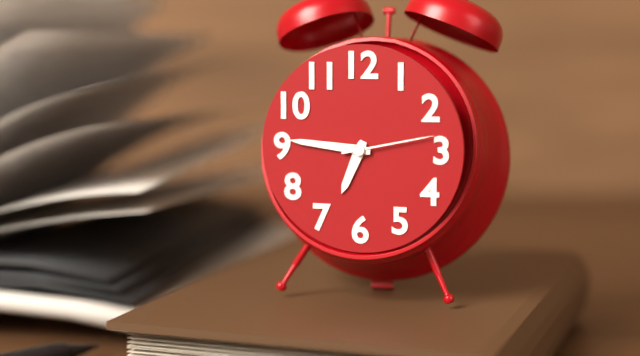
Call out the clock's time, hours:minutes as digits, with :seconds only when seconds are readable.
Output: 6:46:13
